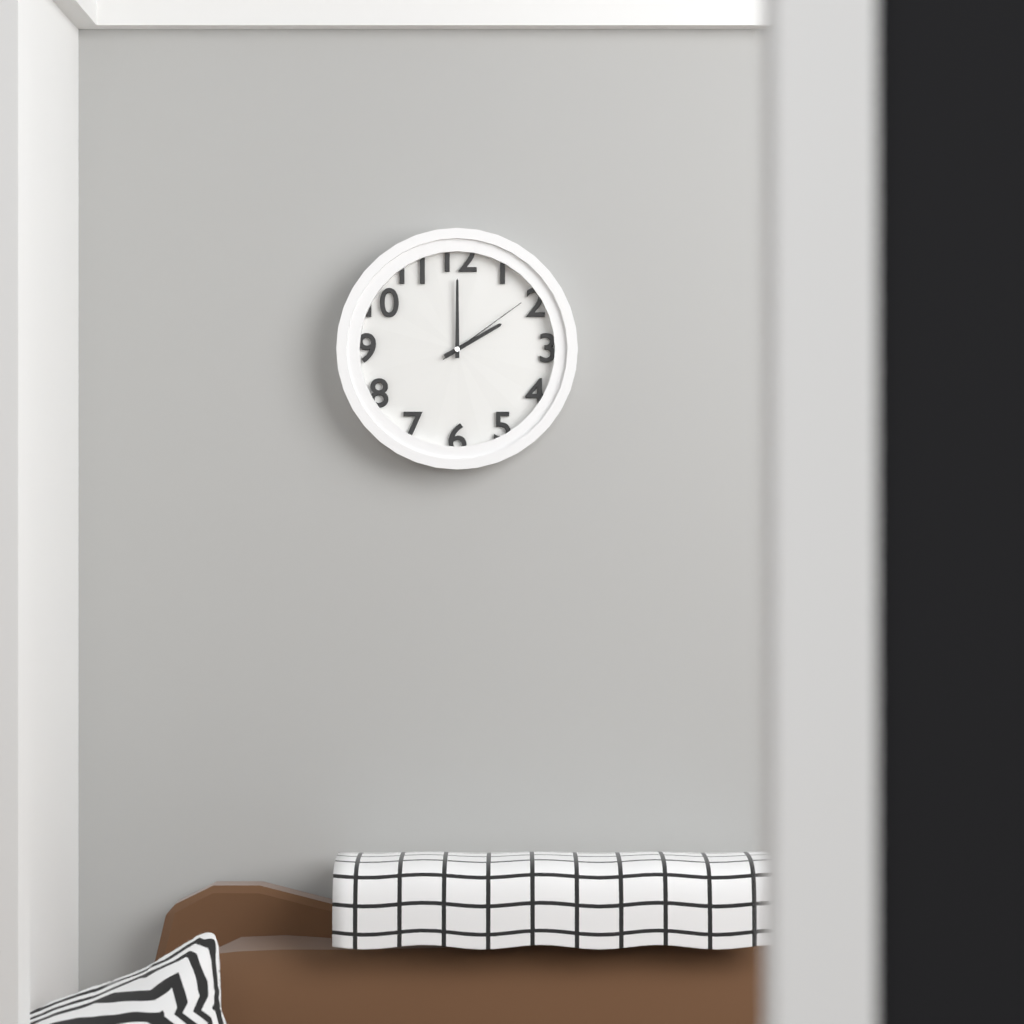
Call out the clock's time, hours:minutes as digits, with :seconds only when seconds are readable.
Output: 2:00:09
